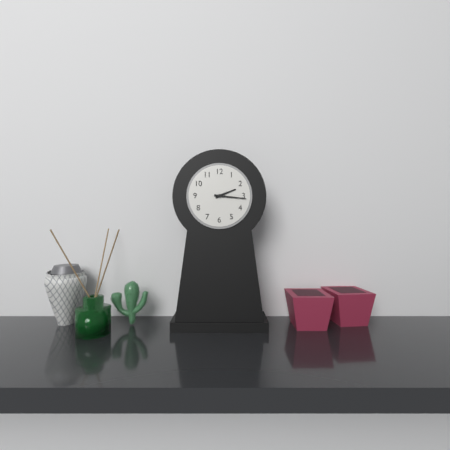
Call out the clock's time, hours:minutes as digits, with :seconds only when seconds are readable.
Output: 2:16
